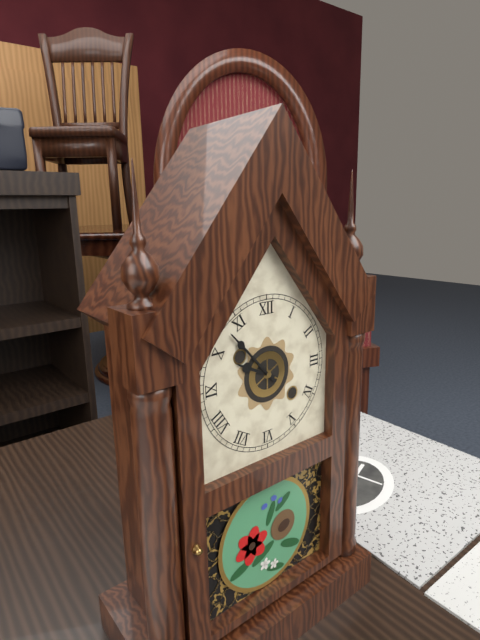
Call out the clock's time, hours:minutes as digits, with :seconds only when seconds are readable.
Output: 9:53
